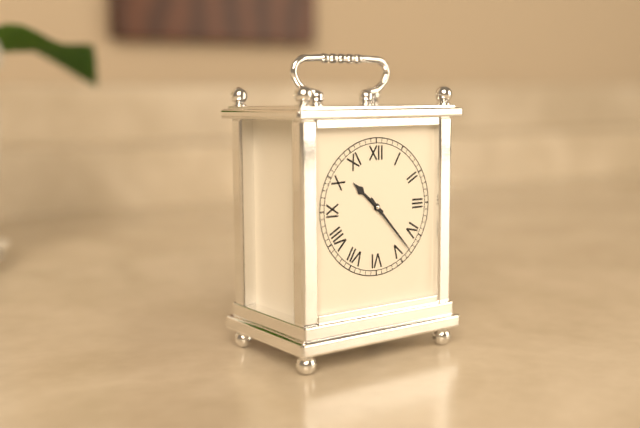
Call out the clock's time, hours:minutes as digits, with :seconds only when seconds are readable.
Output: 10:23
